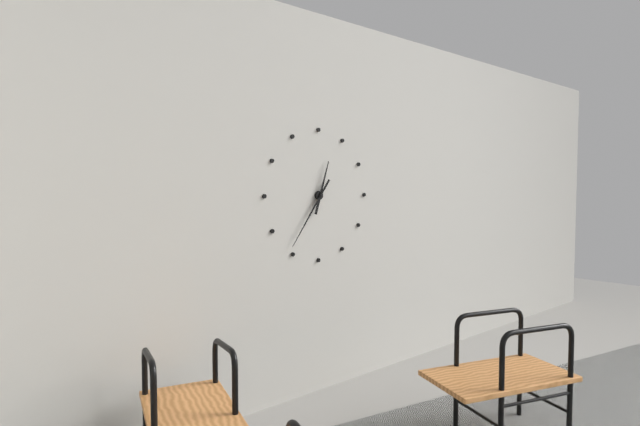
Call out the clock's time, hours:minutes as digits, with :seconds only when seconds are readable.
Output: 12:36
